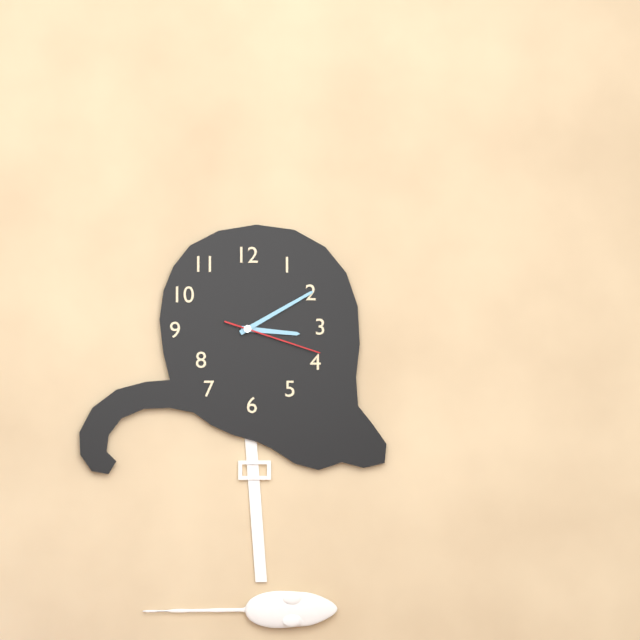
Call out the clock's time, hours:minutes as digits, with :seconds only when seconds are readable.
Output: 3:10:18
